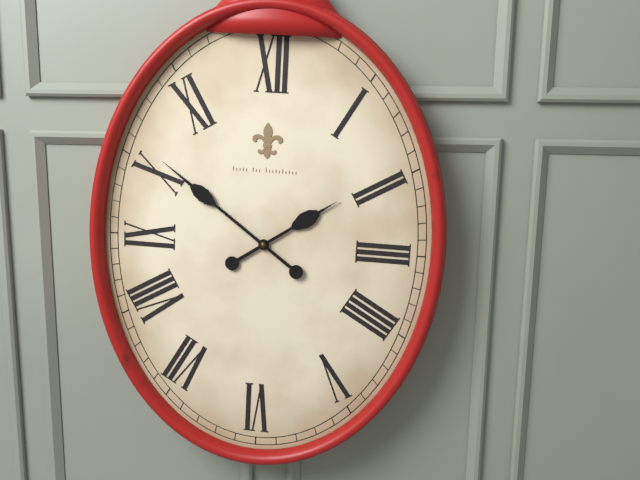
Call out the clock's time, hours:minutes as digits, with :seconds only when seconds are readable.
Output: 1:51
